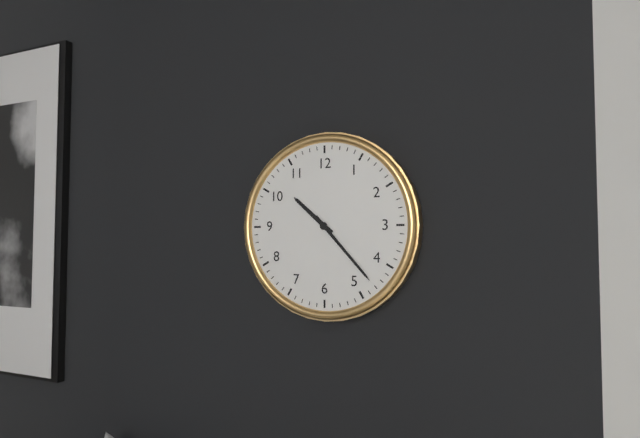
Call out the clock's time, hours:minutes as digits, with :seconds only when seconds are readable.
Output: 10:23
